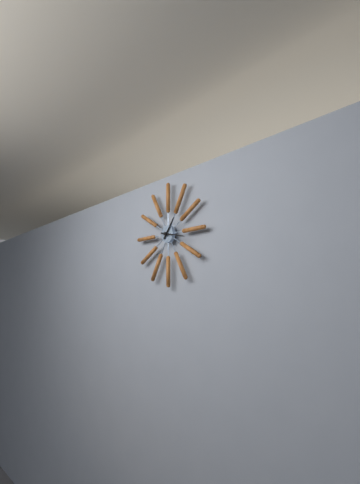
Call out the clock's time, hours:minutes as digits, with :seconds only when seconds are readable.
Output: 1:17
